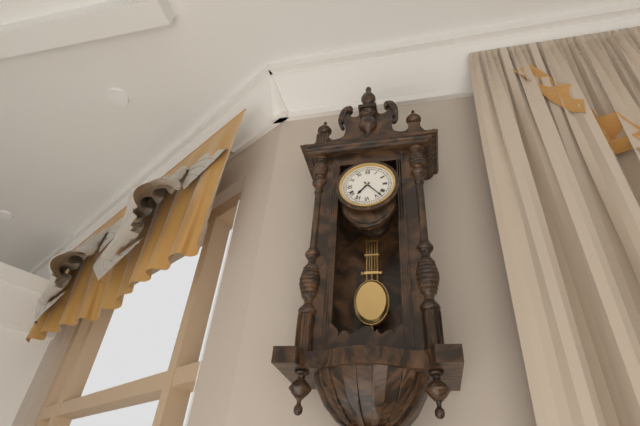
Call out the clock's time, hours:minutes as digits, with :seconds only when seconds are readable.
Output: 7:23
